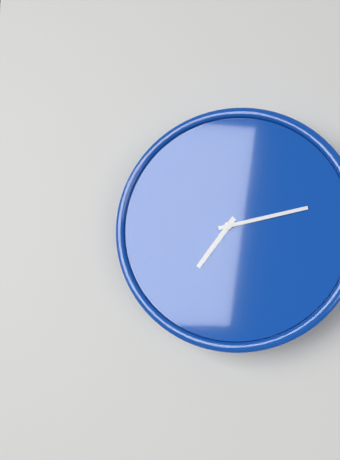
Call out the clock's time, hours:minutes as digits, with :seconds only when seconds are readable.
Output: 7:13
